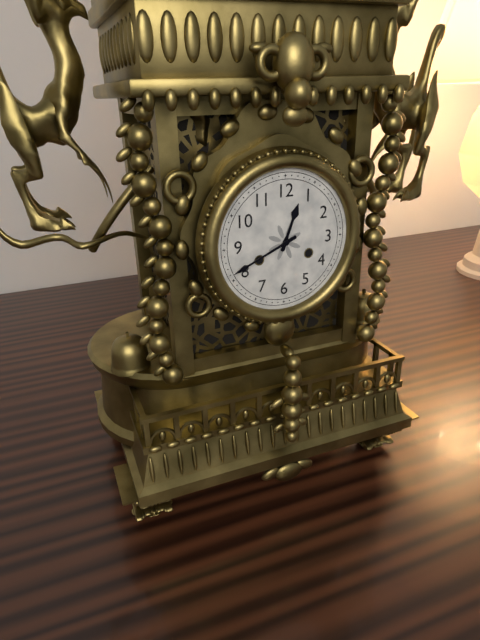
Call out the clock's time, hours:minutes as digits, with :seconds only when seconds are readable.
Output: 12:41
